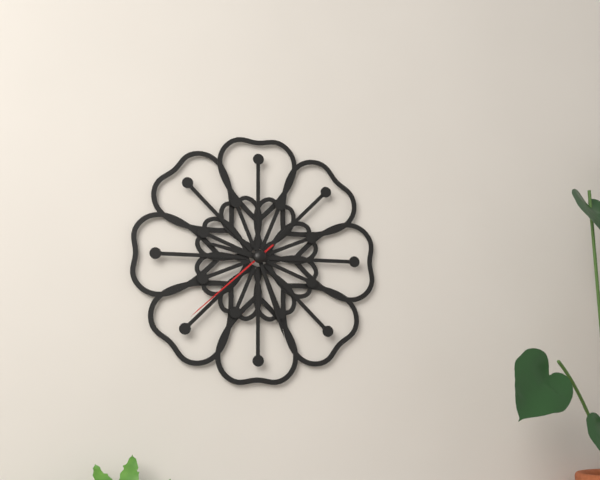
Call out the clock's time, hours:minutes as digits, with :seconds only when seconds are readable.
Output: 9:27:38
